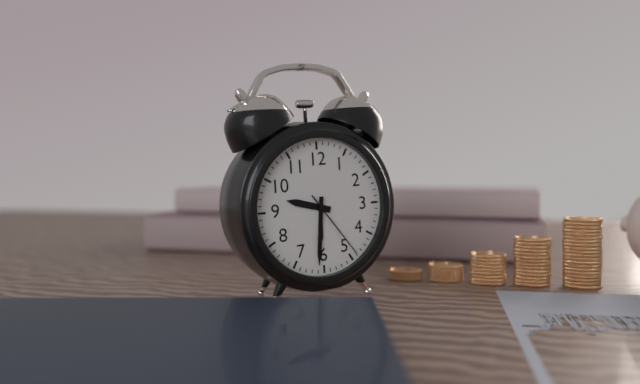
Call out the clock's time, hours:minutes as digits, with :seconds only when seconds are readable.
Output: 9:31:24
